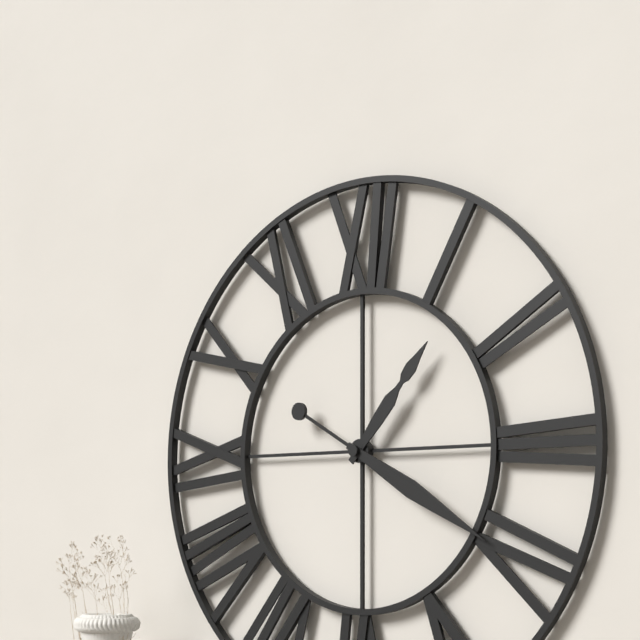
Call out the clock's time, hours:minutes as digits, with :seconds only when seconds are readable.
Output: 1:20
